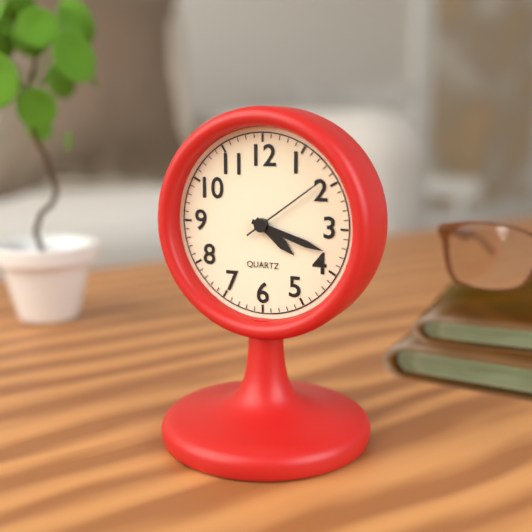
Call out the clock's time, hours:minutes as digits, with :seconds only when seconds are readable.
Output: 4:18:09
